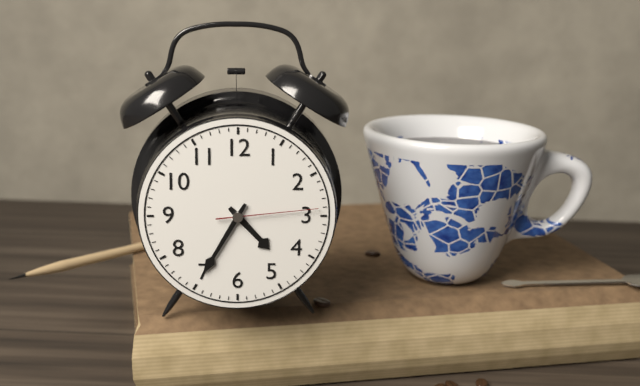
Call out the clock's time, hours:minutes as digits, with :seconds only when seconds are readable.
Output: 4:35:14
